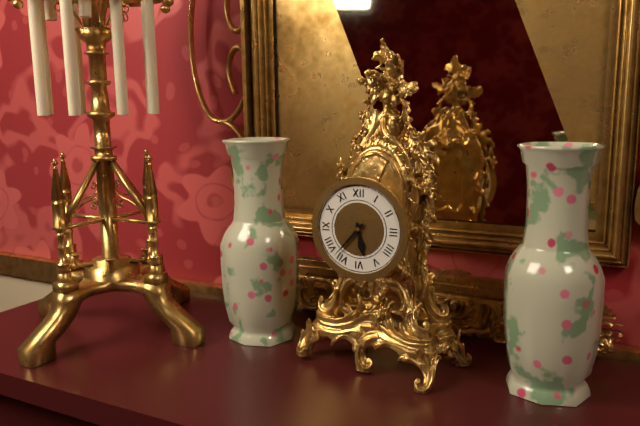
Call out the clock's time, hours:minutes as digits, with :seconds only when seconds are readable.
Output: 5:37
